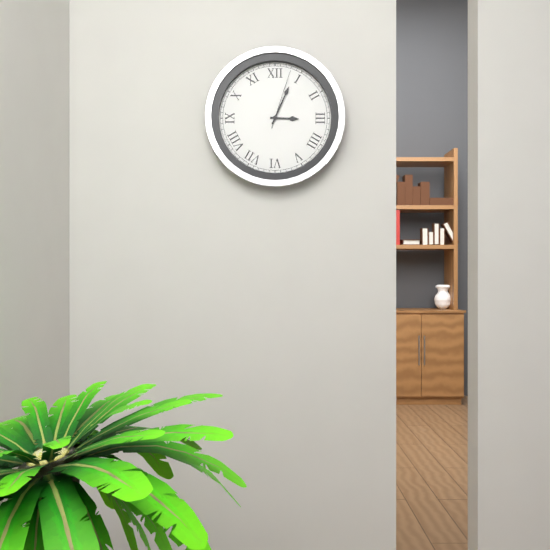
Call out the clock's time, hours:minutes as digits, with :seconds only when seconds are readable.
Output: 3:04:03
